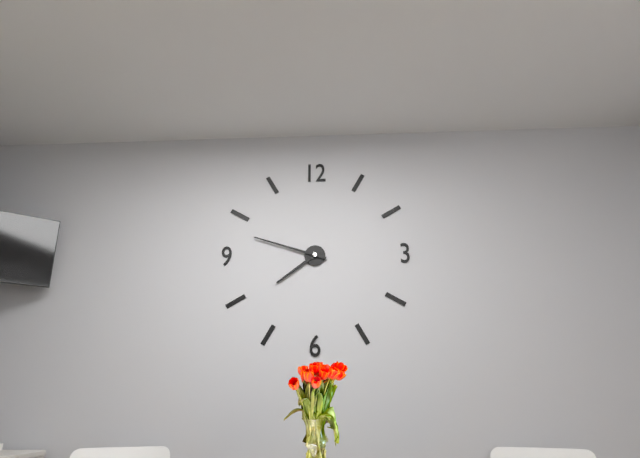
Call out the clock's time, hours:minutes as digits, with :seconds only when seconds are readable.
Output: 7:48
